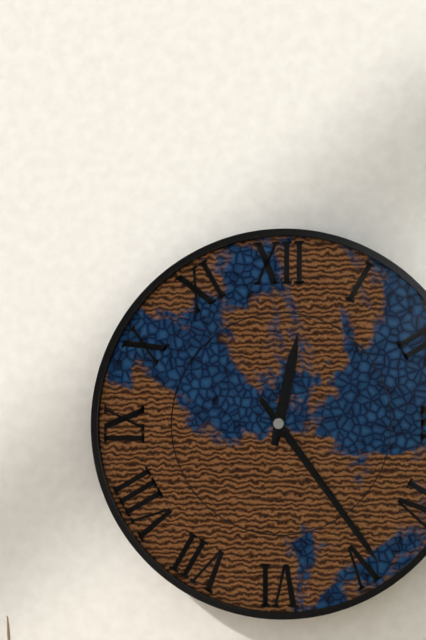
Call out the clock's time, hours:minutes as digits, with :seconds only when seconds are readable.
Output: 12:24
